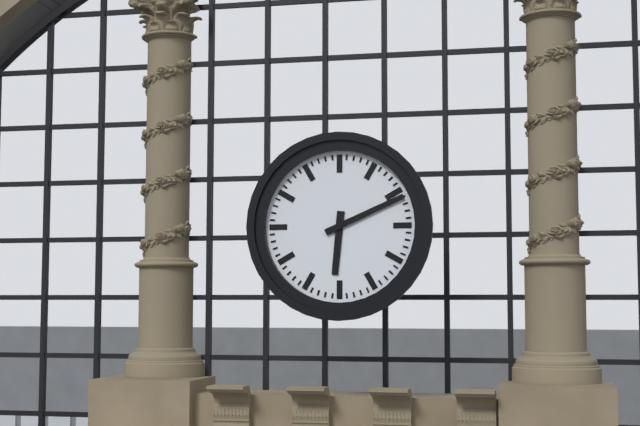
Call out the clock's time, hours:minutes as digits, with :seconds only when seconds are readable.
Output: 6:11
